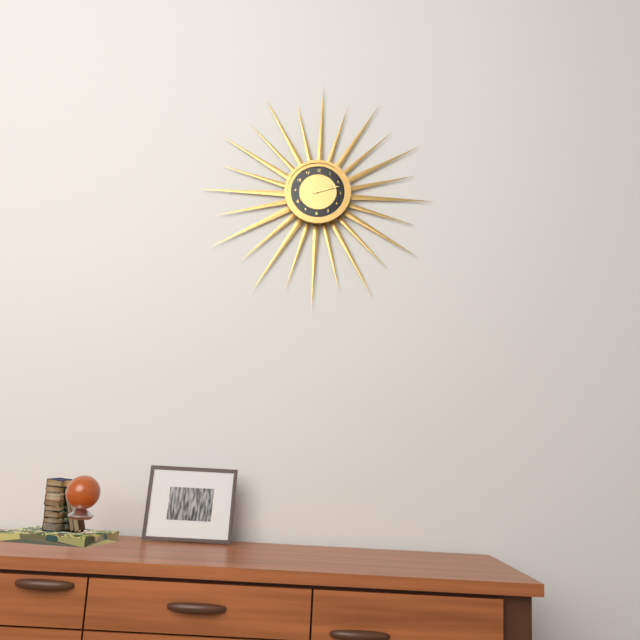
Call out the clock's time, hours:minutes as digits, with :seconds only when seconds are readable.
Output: 2:12
